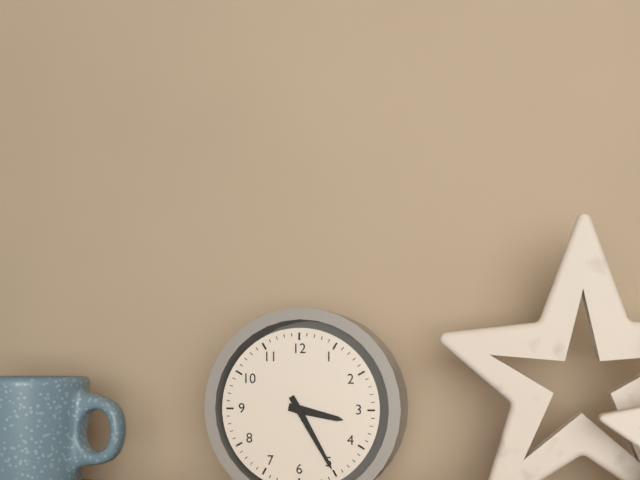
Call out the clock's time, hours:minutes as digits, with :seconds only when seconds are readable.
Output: 3:25
